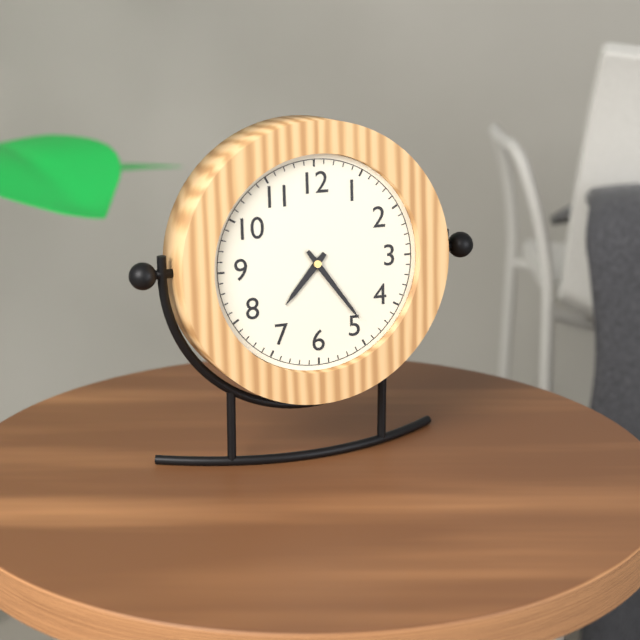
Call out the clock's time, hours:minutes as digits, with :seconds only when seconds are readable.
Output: 7:24
